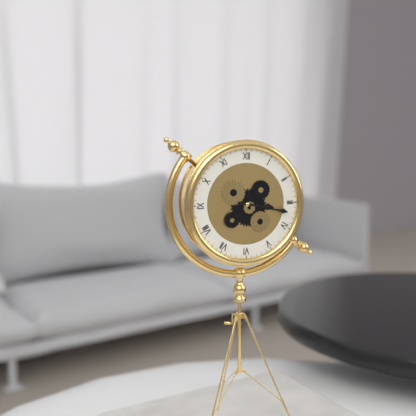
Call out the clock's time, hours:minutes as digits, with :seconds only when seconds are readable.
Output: 3:17
